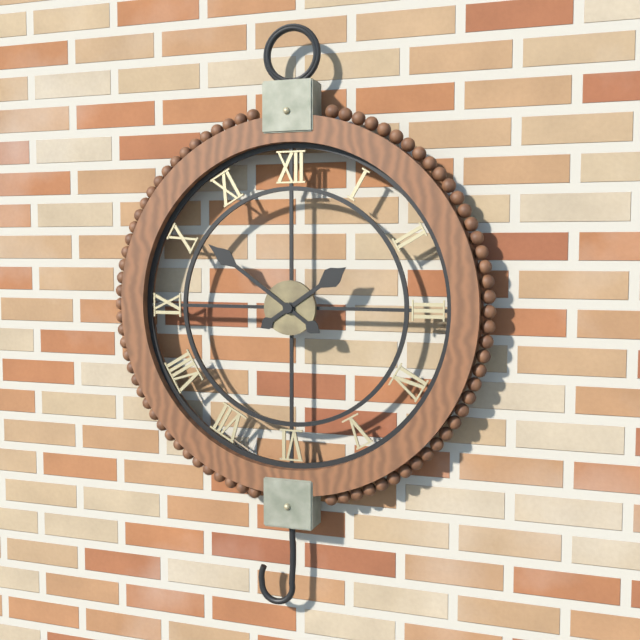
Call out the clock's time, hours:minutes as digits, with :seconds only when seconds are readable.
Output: 1:51
